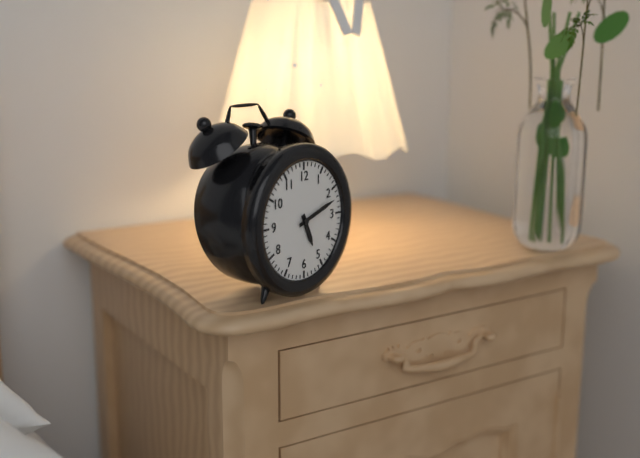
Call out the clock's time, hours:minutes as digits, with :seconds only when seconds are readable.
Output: 5:12
